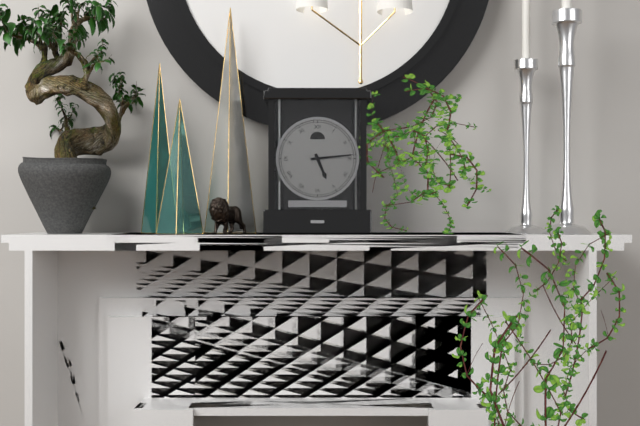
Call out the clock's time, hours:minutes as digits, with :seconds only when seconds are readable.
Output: 5:14
